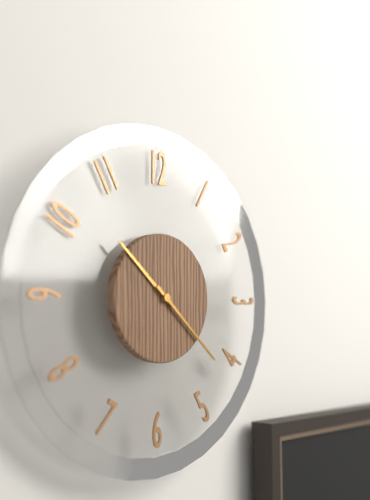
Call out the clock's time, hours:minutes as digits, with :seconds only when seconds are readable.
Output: 10:22
